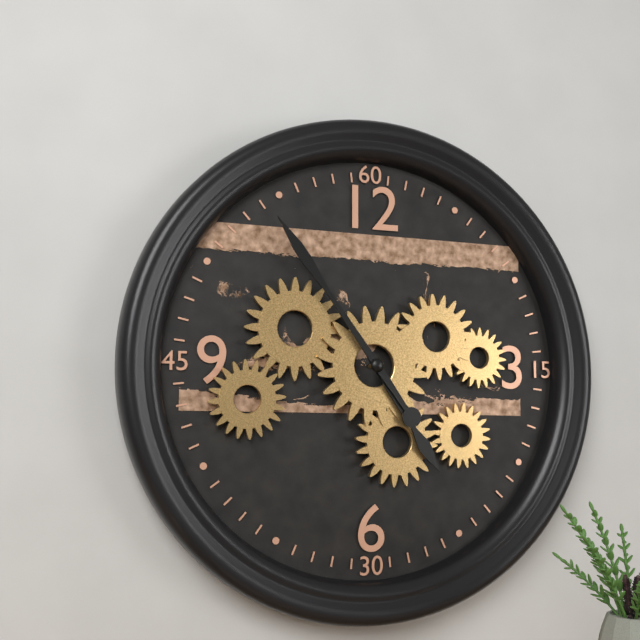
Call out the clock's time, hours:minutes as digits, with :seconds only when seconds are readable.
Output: 4:54
